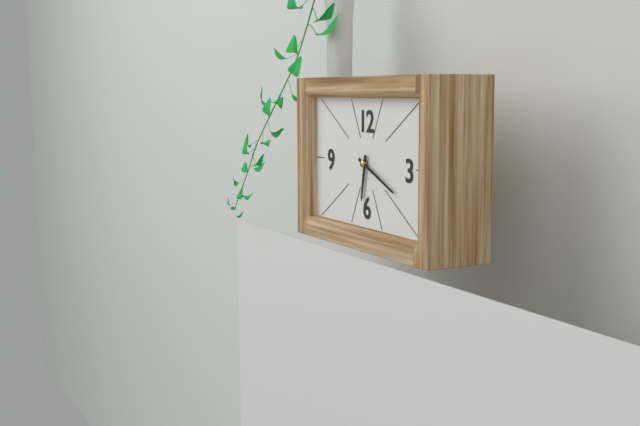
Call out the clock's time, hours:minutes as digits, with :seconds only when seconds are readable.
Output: 6:19
